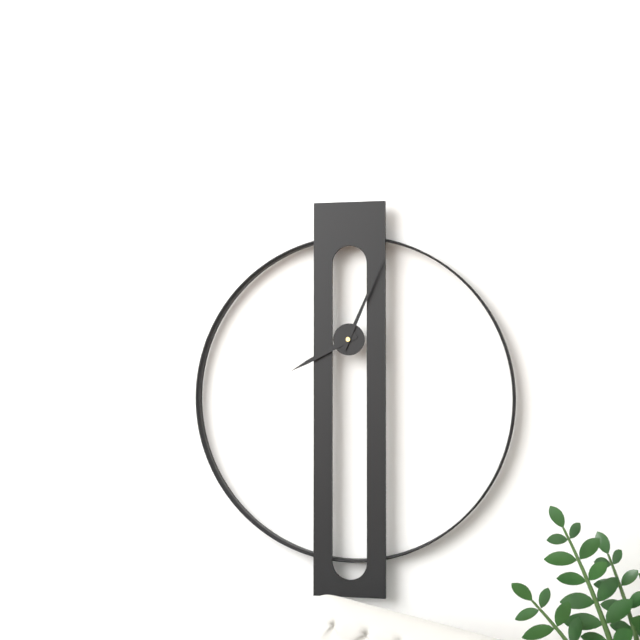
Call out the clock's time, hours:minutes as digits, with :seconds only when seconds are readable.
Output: 8:04
